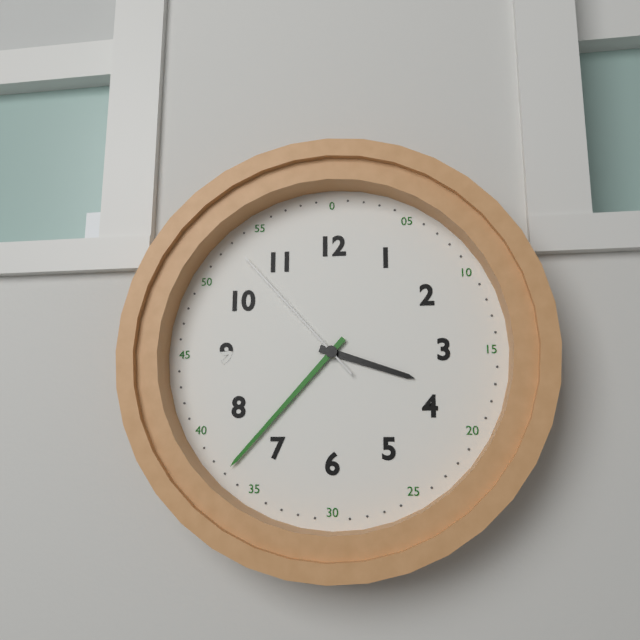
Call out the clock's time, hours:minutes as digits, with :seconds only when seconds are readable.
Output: 3:37:53
